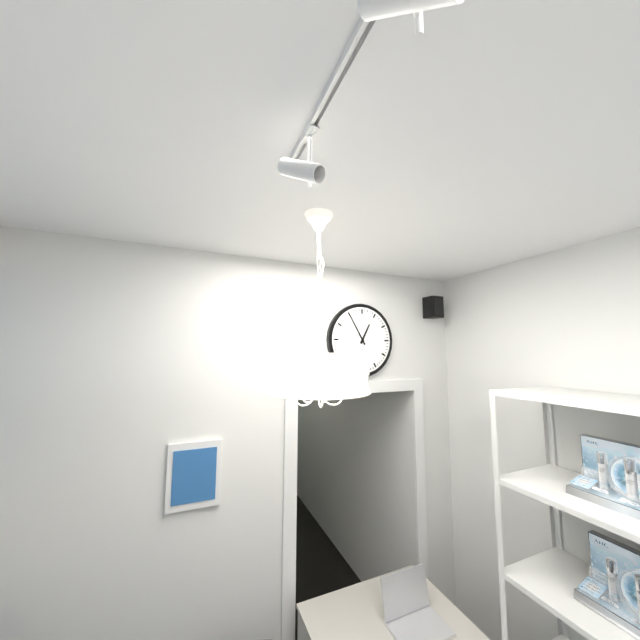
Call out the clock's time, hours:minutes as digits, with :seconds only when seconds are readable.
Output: 12:55
